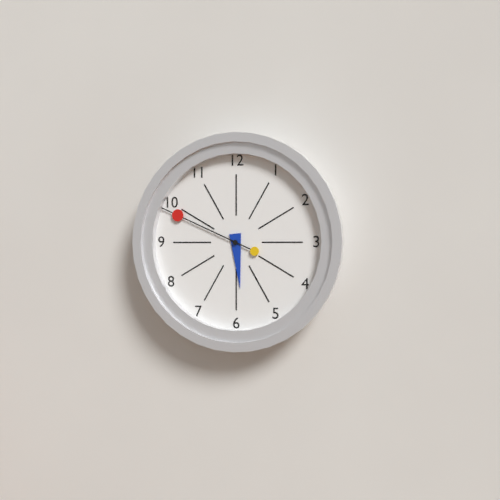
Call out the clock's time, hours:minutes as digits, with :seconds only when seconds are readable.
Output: 5:49
